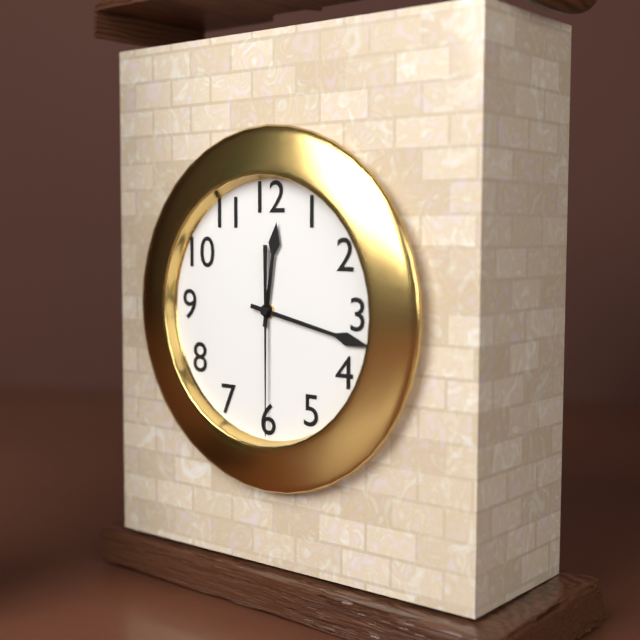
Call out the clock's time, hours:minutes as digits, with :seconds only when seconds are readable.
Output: 12:17:30
